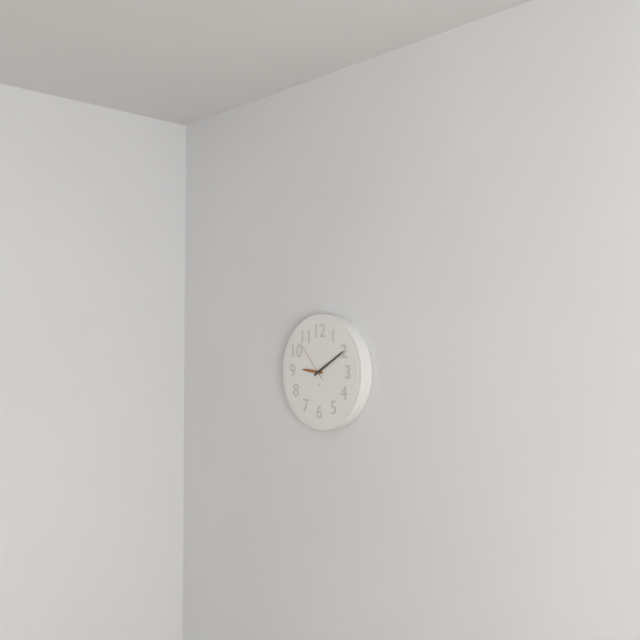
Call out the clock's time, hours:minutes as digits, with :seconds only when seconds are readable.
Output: 9:10
